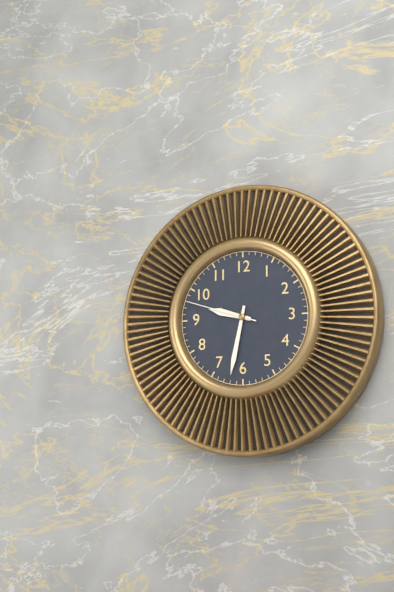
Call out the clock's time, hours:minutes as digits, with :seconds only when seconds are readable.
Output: 9:32:48
